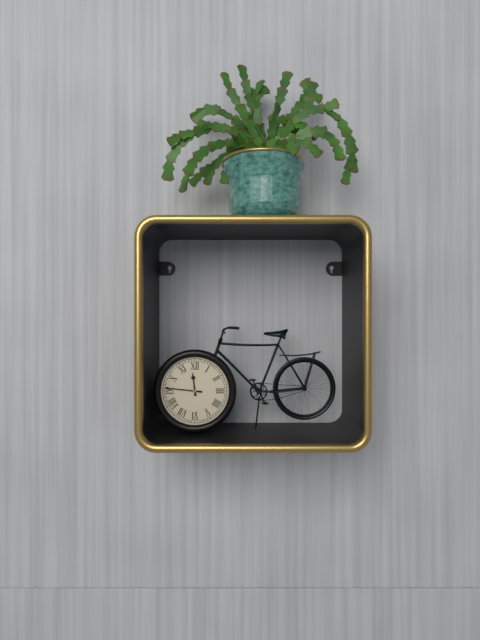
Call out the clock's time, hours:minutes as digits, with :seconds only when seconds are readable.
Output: 11:46
